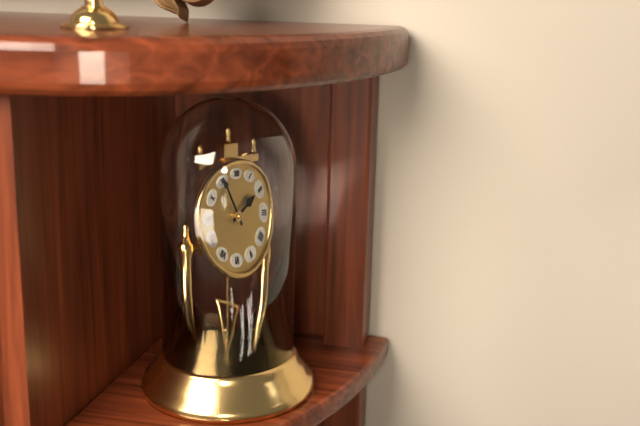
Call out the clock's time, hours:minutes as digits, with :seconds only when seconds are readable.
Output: 1:55
